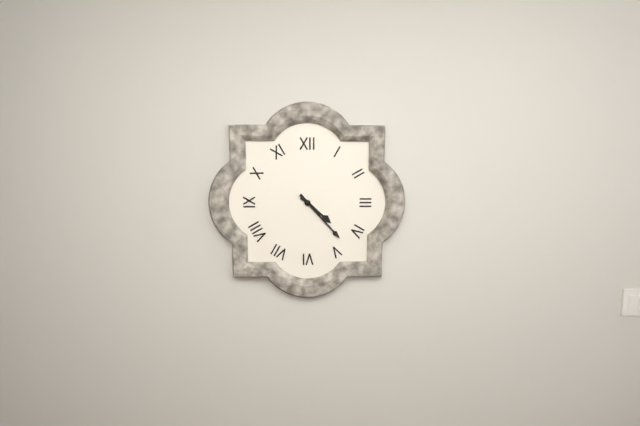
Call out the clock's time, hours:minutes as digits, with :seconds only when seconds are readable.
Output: 4:23
